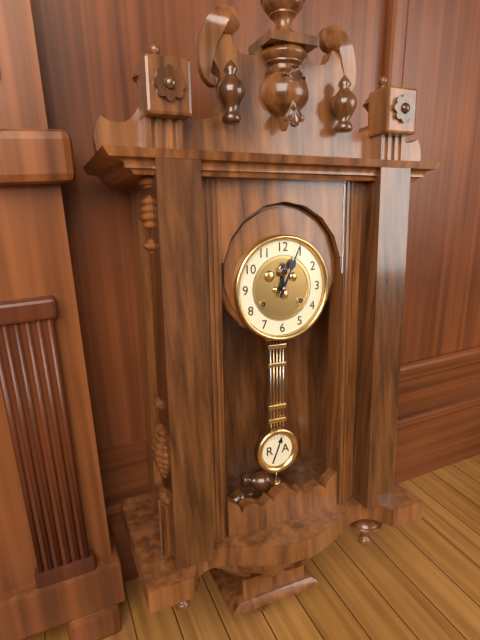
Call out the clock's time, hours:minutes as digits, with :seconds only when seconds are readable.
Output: 12:04
